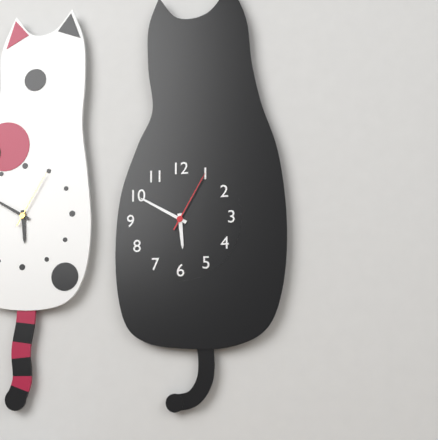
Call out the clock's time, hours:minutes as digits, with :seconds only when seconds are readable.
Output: 5:50:05
